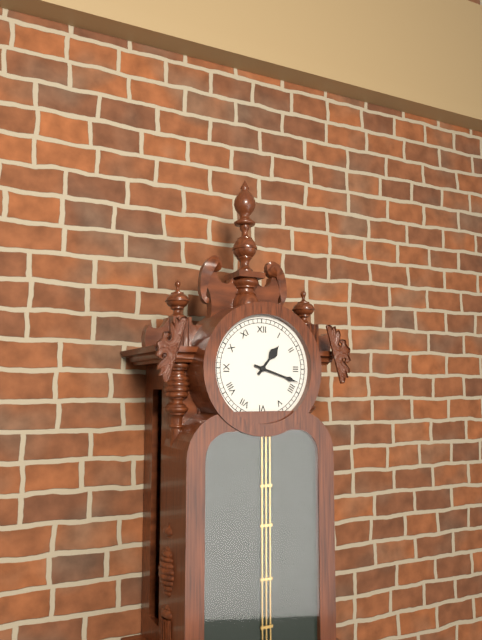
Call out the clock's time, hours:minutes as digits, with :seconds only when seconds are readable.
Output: 1:18
